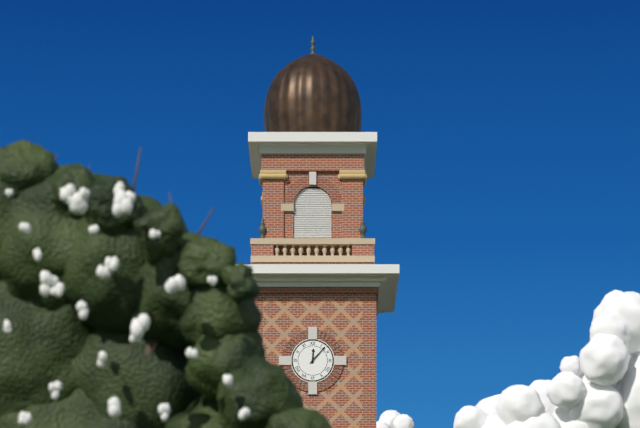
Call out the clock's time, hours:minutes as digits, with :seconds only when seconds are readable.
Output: 12:07
